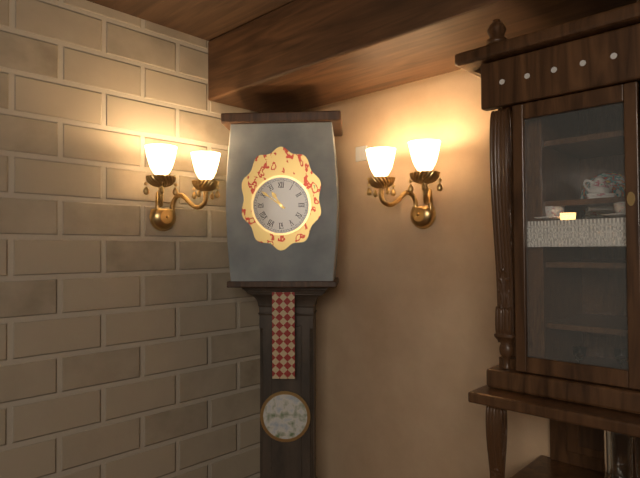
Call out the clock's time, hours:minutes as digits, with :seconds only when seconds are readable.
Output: 10:51
